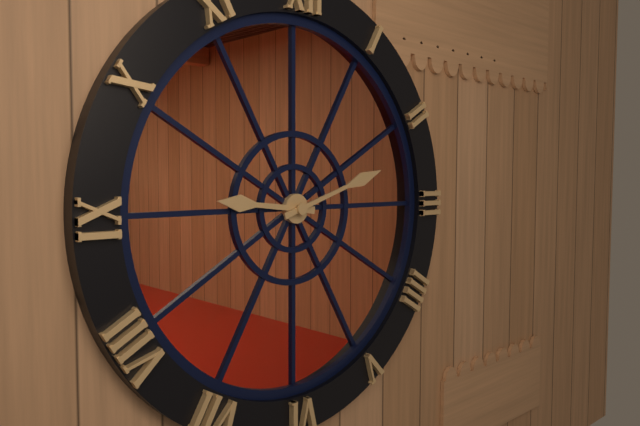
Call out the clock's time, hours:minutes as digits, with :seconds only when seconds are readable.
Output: 9:12
